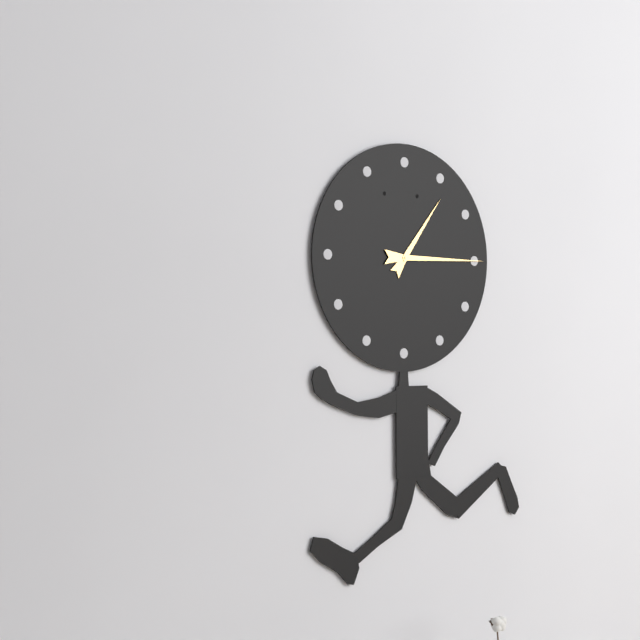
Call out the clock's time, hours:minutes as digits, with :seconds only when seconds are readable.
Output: 1:15
